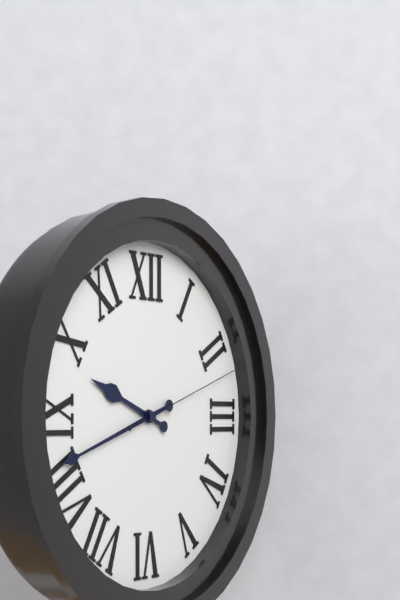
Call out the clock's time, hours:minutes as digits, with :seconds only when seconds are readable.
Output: 9:42:12
